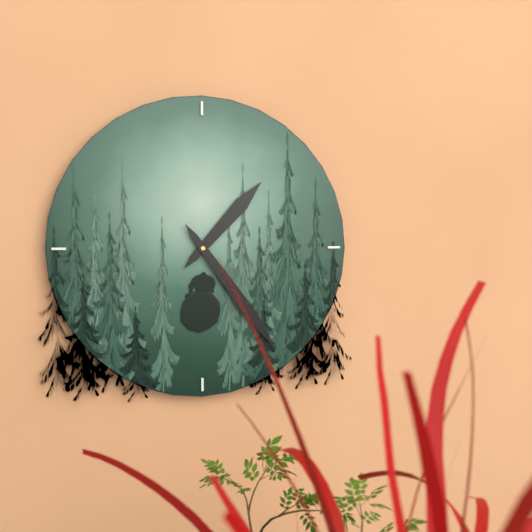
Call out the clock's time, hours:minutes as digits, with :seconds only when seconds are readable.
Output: 1:24
